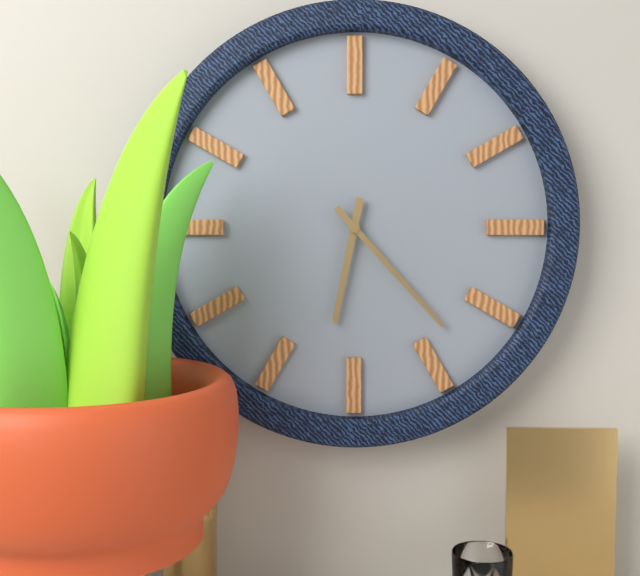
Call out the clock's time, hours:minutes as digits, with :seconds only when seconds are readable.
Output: 6:23
